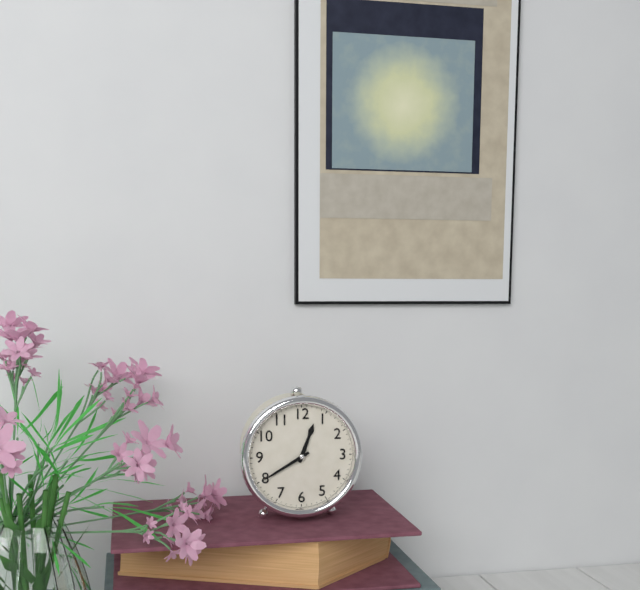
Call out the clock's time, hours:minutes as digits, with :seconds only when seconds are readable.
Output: 12:40
